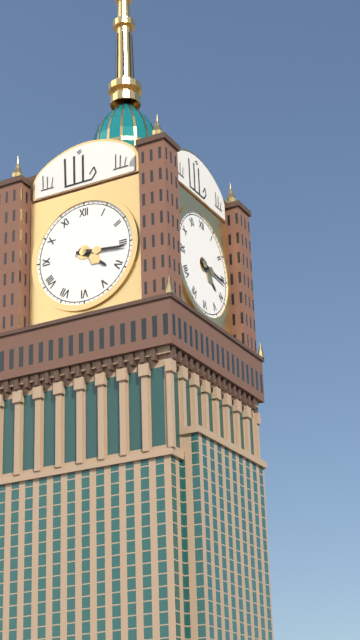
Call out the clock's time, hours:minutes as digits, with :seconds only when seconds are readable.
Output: 4:16
